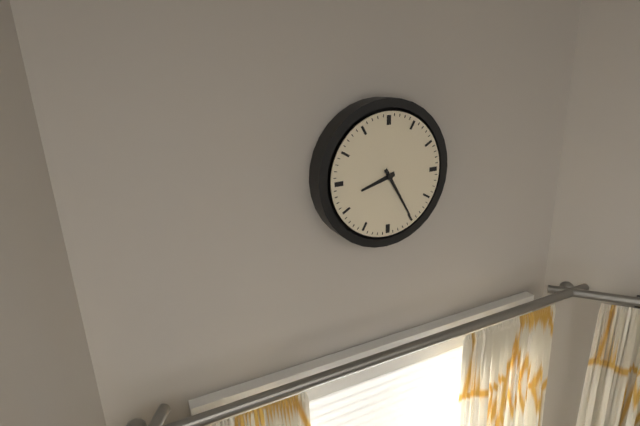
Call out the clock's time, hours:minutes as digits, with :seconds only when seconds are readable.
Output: 8:25
